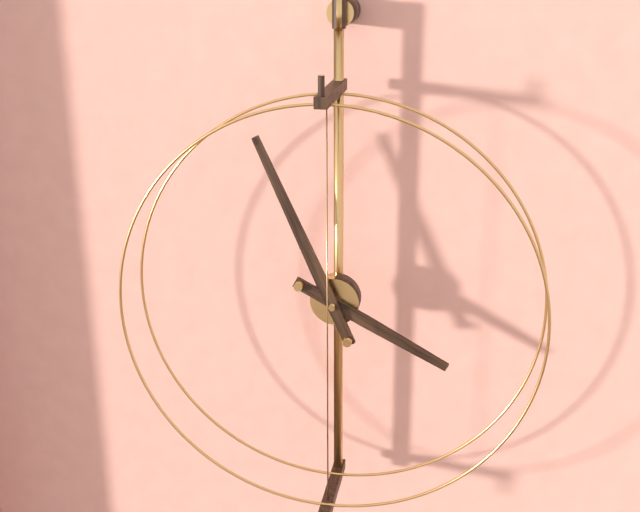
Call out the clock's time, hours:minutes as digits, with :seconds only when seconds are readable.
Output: 3:56
